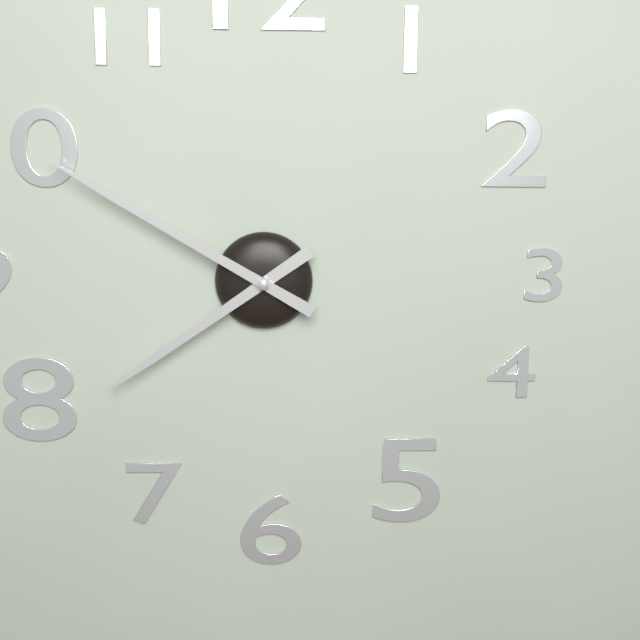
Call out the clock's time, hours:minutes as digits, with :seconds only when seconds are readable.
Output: 7:50
